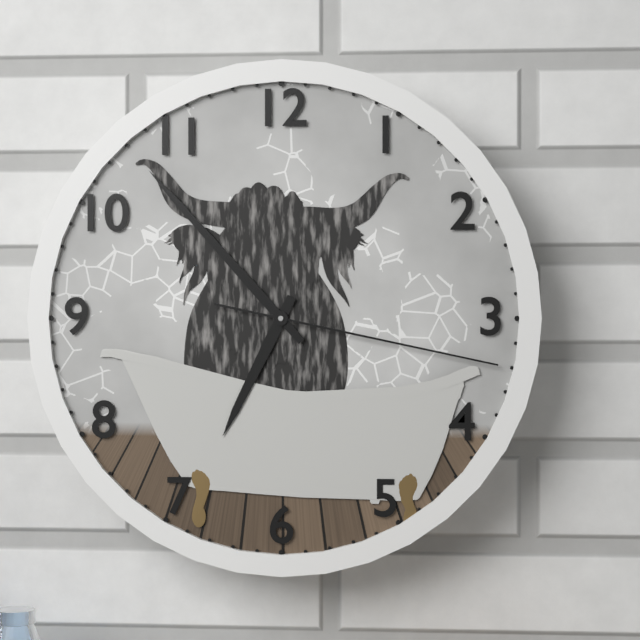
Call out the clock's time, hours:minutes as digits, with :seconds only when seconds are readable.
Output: 6:53:17
